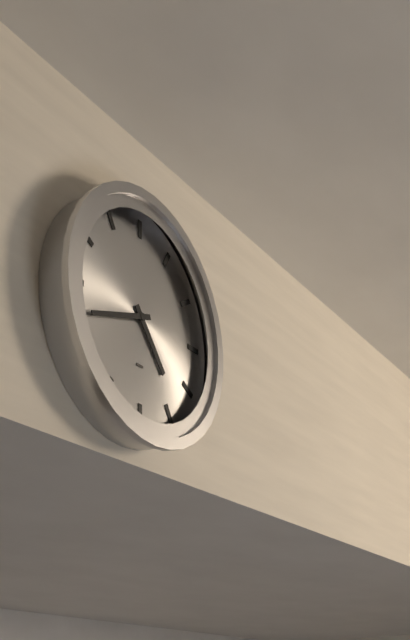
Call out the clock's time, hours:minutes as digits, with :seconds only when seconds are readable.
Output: 4:42
